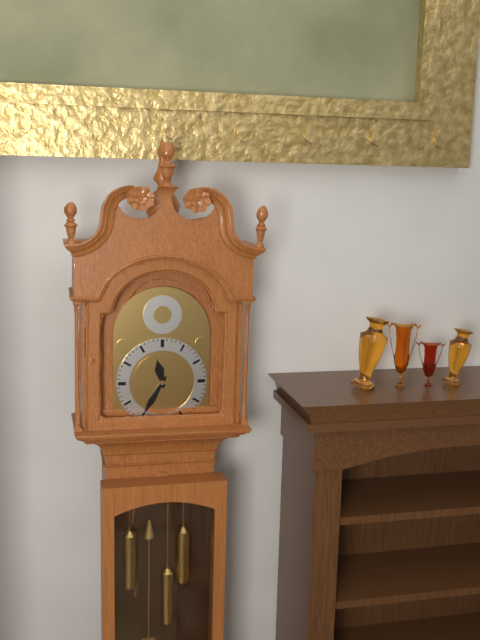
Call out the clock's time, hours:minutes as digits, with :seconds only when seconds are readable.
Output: 11:35
